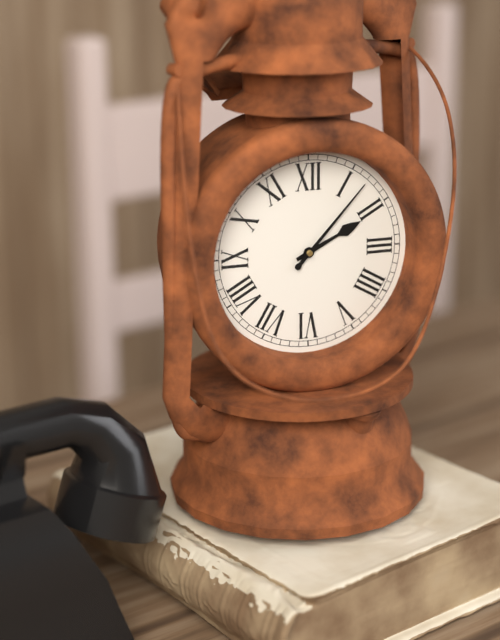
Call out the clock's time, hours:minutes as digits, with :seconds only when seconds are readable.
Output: 2:07
